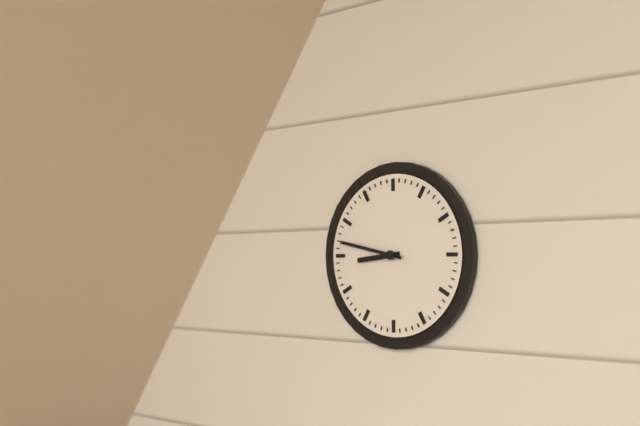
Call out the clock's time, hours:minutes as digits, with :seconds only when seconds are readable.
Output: 8:47
